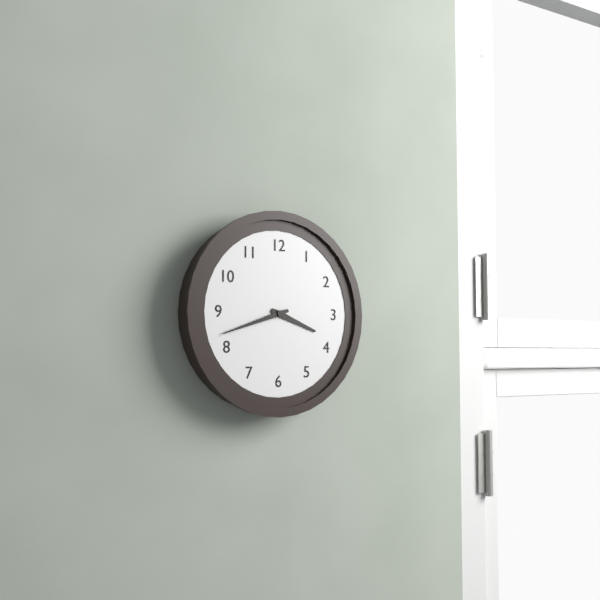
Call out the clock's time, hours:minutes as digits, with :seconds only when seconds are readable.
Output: 3:42
